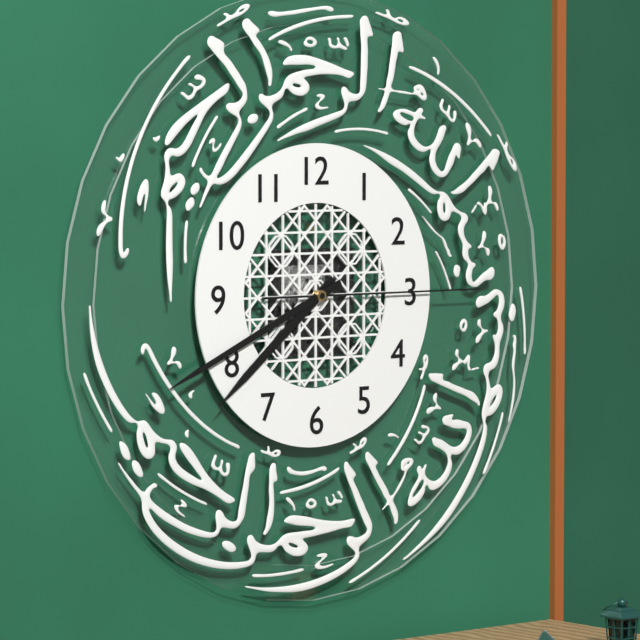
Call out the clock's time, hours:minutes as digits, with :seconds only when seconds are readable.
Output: 7:41:15
